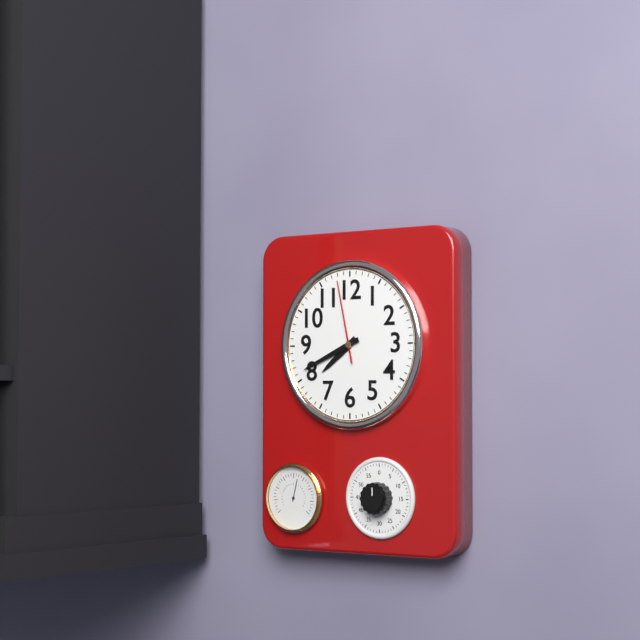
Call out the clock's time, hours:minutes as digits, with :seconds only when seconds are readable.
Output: 7:41:58
